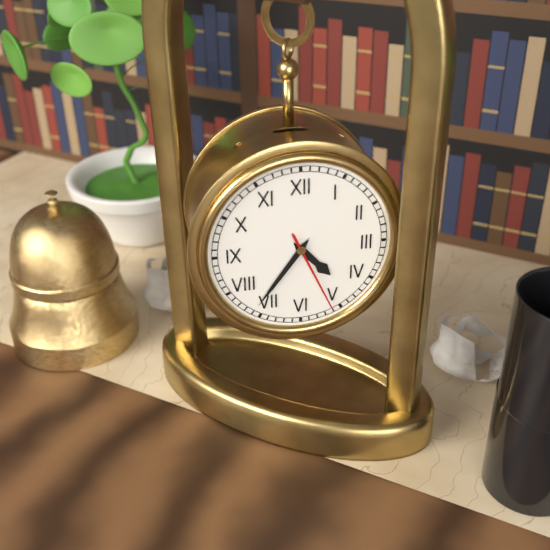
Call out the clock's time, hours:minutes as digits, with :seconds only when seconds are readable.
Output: 4:36:26
